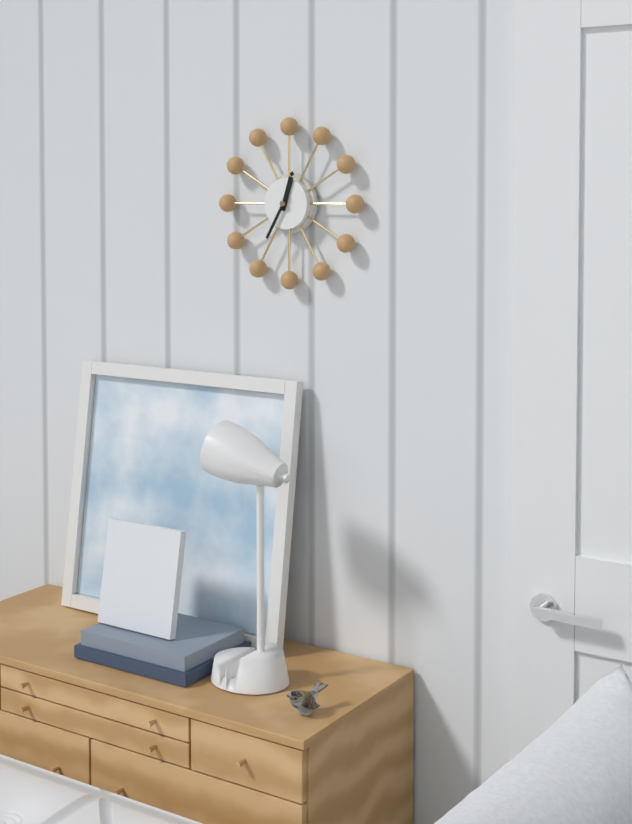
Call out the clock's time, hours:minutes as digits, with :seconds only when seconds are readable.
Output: 12:35
